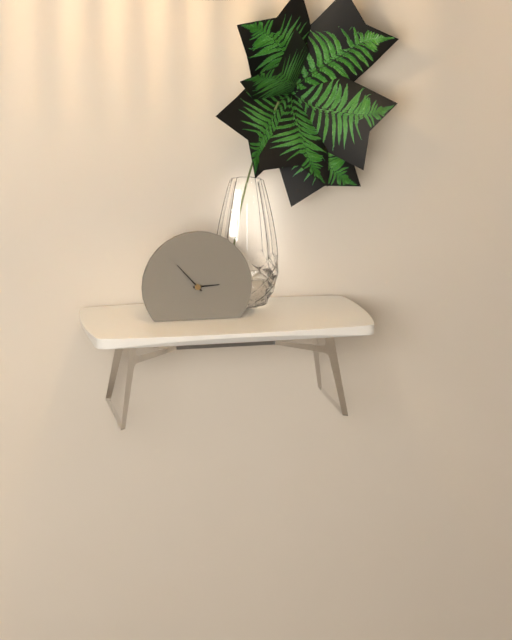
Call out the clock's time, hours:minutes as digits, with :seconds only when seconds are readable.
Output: 2:53
